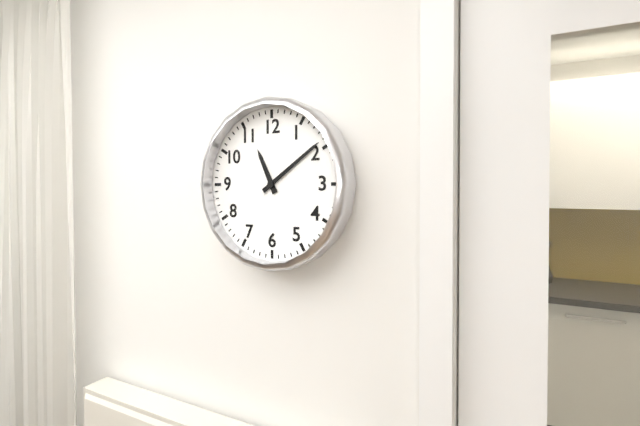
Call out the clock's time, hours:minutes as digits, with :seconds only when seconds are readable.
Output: 11:09
